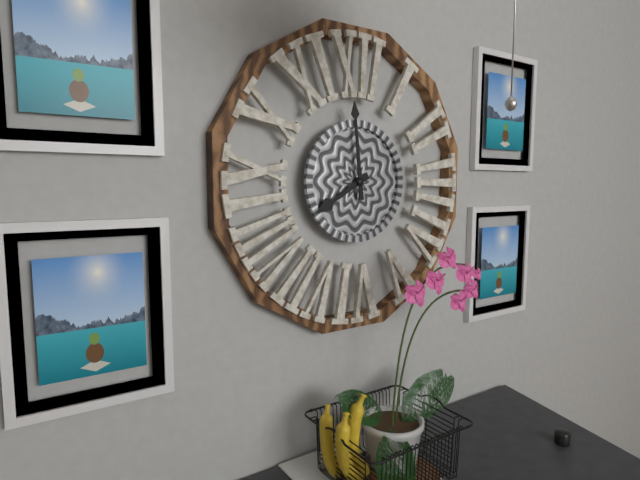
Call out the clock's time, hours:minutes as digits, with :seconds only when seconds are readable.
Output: 7:59
